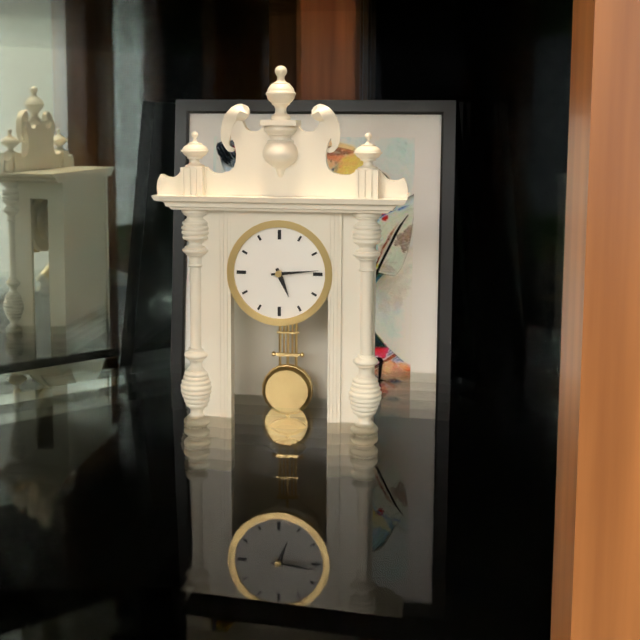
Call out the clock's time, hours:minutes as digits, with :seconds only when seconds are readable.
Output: 5:14
